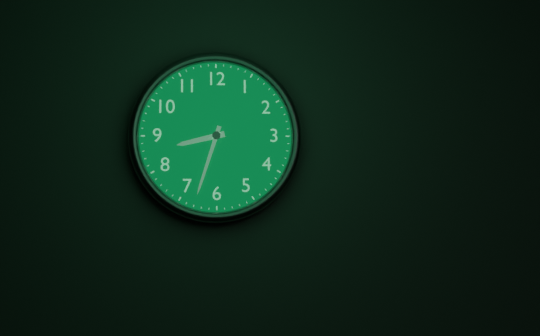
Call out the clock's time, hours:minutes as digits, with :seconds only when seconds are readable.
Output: 8:33
